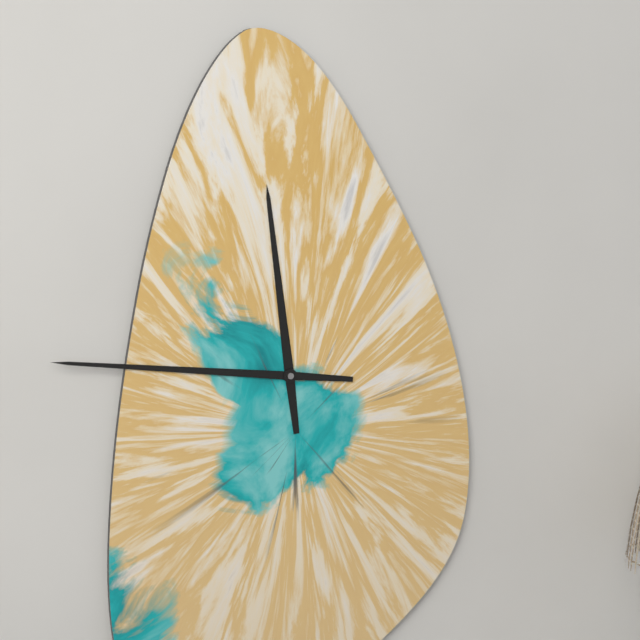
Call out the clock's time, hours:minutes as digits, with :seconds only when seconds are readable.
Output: 11:46
